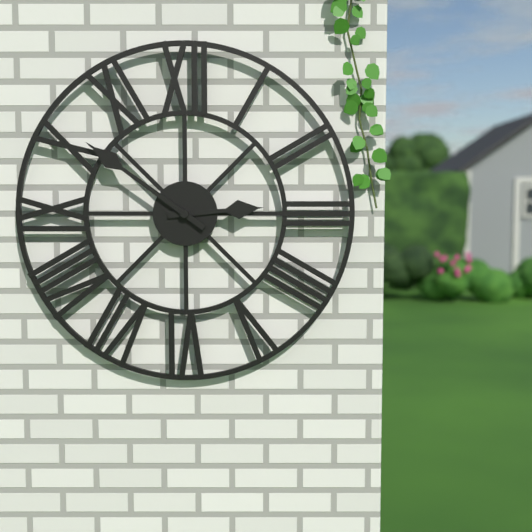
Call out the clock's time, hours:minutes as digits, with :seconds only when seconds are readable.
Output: 2:51
